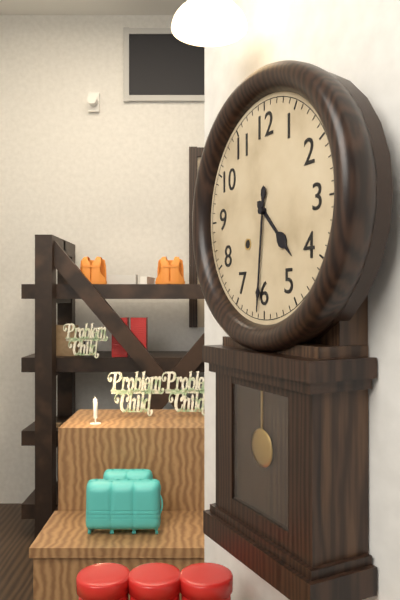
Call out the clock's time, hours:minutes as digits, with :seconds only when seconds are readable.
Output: 4:31
